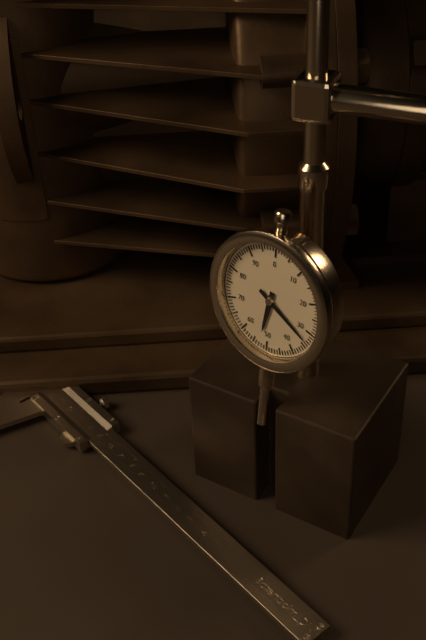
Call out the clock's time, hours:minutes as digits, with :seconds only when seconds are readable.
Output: 6:20
